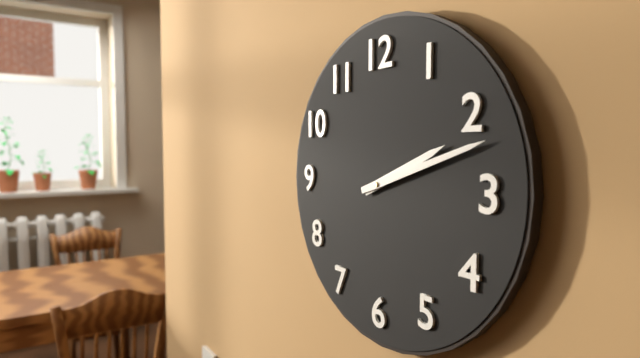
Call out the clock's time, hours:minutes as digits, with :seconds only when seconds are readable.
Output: 2:12
